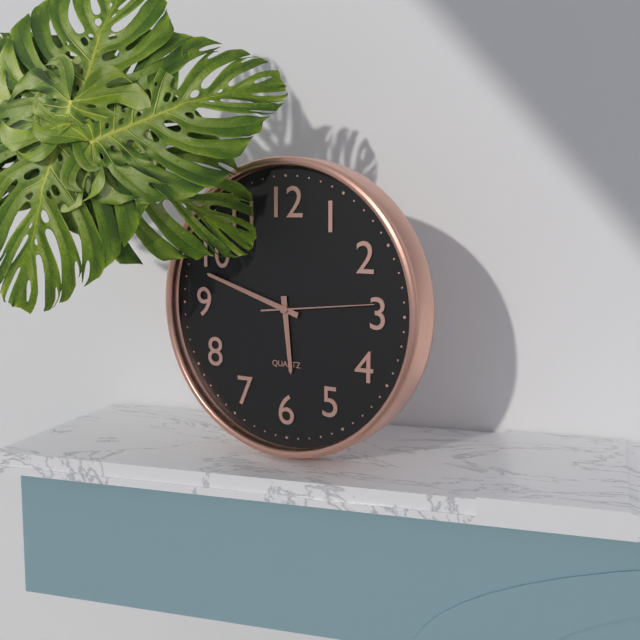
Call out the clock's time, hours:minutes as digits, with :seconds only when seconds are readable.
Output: 5:48:14
